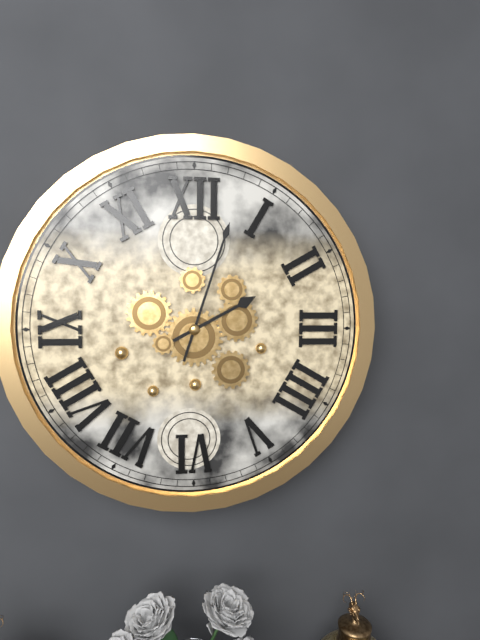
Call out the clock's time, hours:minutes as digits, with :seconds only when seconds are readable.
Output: 2:03
